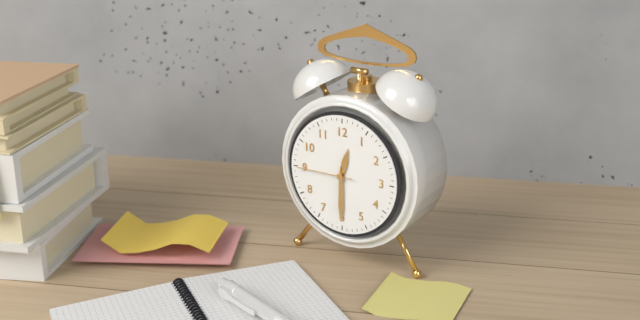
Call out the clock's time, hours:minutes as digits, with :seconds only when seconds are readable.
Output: 12:30:45
